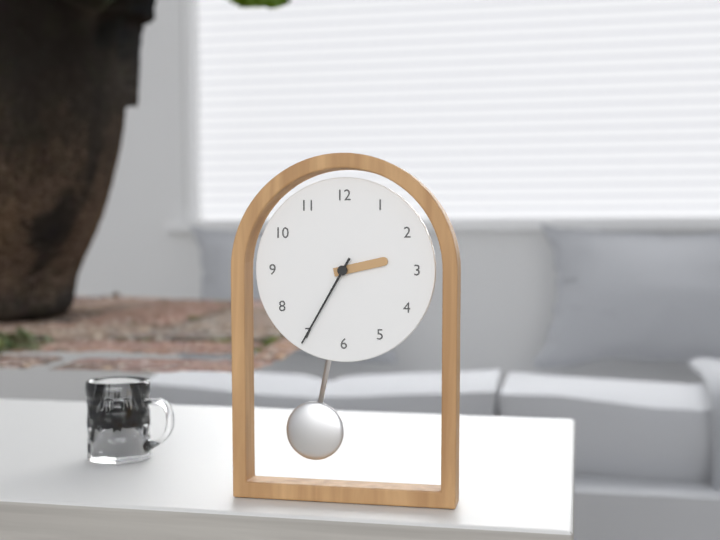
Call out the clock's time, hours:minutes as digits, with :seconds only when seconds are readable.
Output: 2:35
